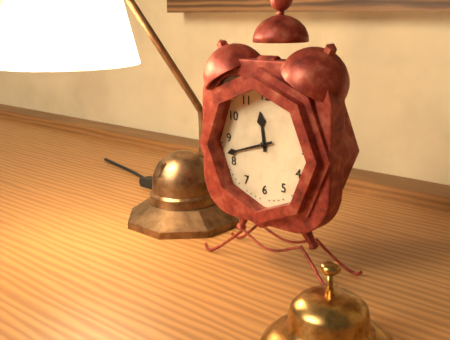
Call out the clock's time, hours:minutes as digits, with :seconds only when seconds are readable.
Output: 11:42
